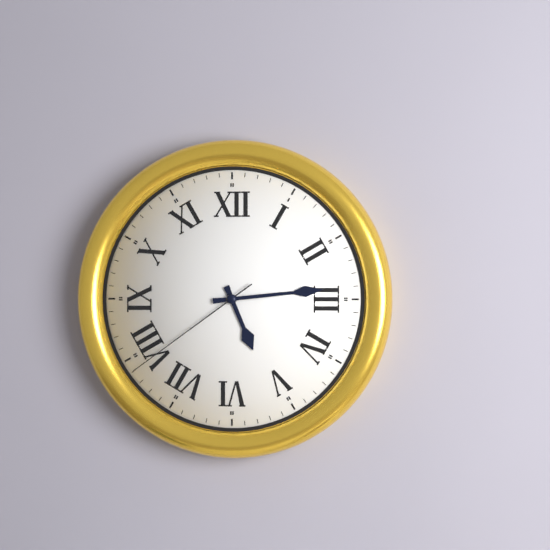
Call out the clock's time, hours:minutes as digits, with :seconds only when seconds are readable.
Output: 5:14:39
